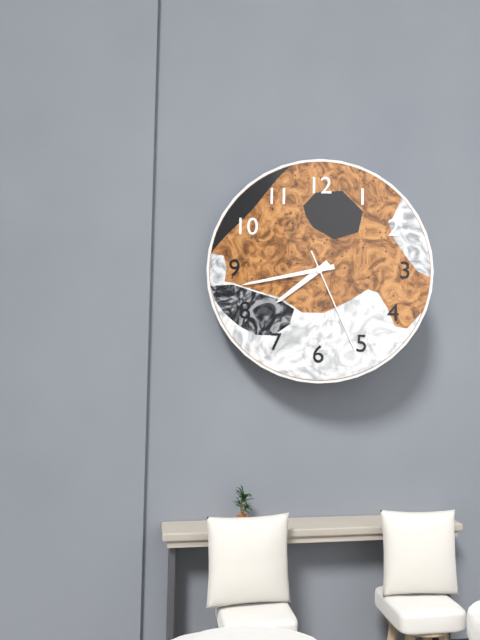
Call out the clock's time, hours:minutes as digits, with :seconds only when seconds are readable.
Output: 7:43:26
